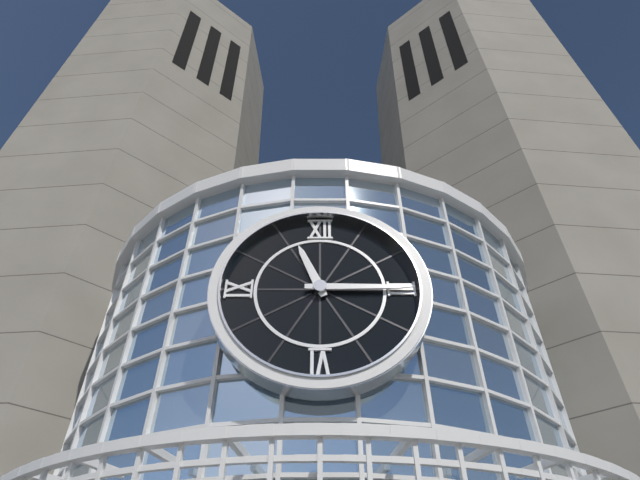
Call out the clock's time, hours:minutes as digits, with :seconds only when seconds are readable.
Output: 11:15
